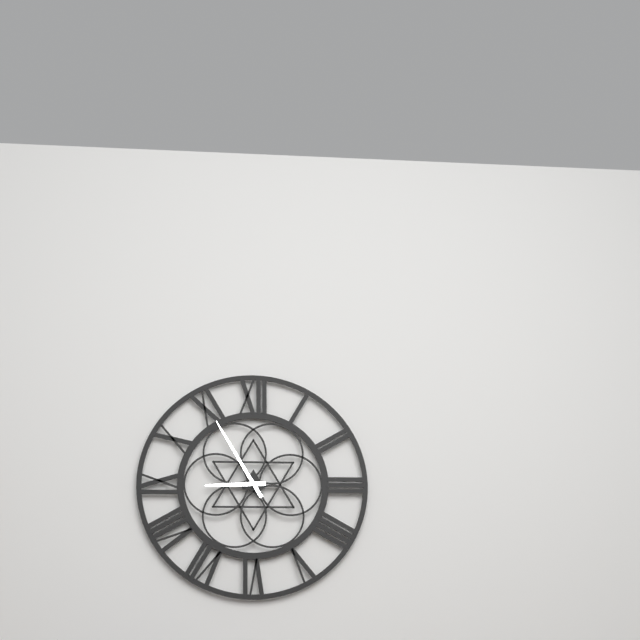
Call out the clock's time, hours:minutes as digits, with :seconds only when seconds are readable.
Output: 8:55
